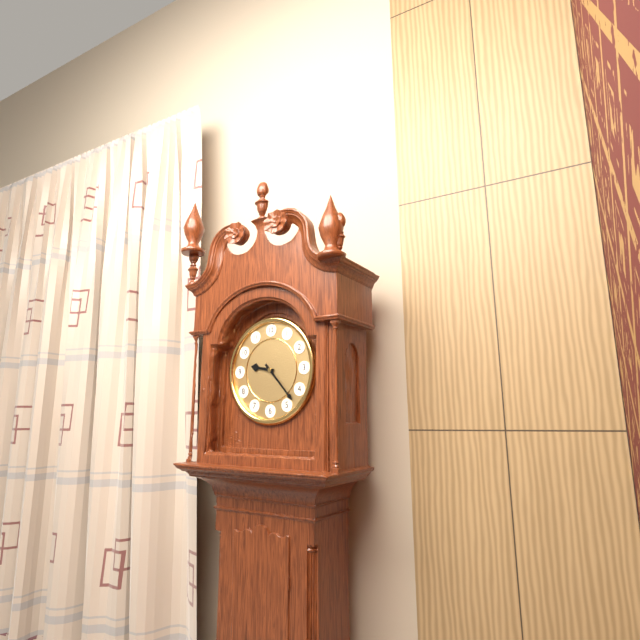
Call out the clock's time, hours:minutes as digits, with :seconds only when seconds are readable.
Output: 9:23
